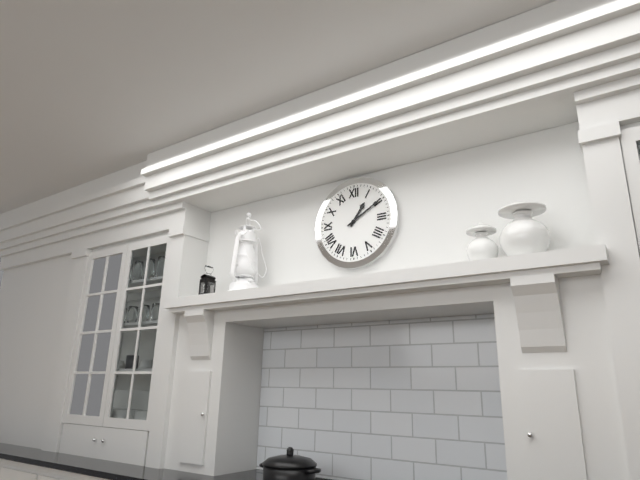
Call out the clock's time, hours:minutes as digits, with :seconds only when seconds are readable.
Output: 1:10
